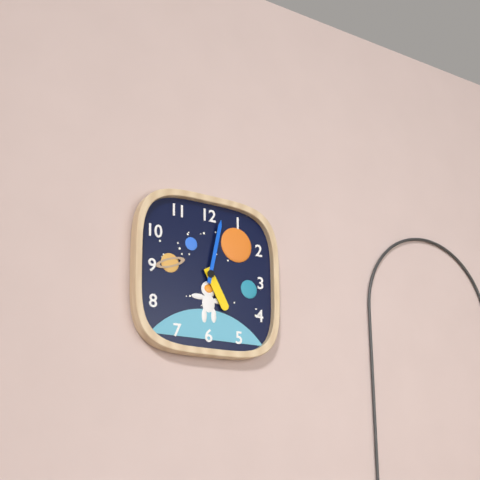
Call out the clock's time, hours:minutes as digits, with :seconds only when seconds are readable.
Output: 5:02
